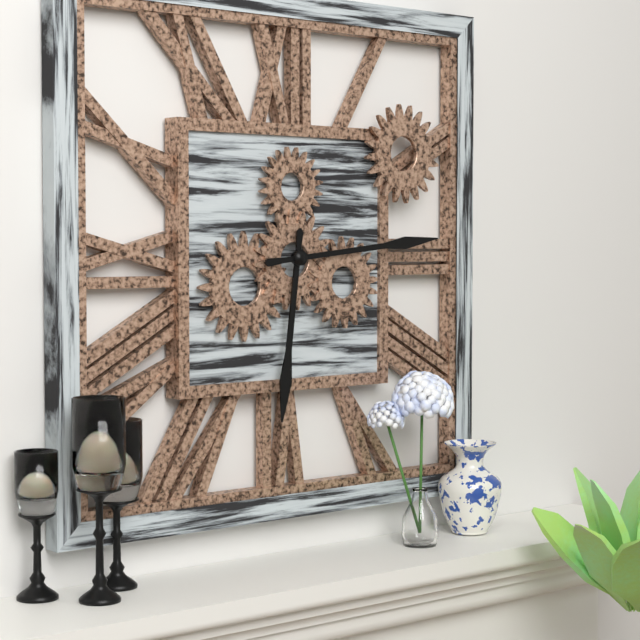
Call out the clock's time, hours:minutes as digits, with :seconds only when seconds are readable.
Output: 6:14
